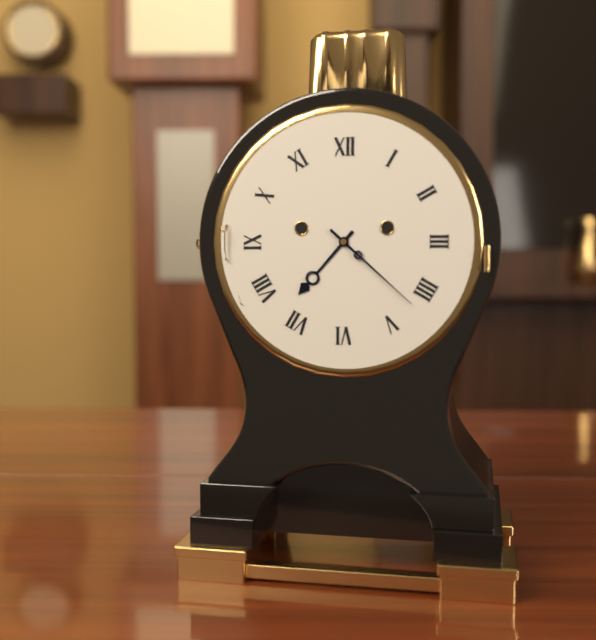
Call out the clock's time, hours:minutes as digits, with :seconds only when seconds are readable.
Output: 7:22
